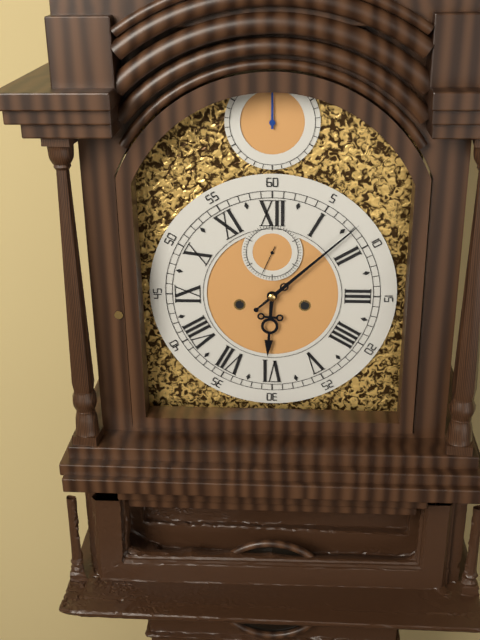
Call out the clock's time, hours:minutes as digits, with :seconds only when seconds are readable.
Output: 6:08
